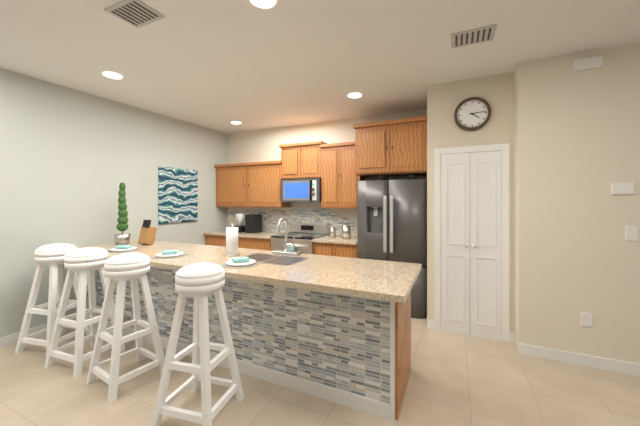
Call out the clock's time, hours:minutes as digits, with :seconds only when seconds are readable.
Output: 4:14
